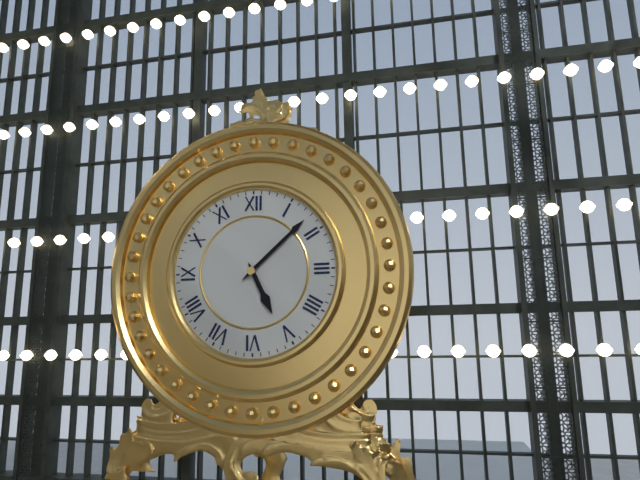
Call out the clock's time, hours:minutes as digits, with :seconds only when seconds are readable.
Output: 5:08
